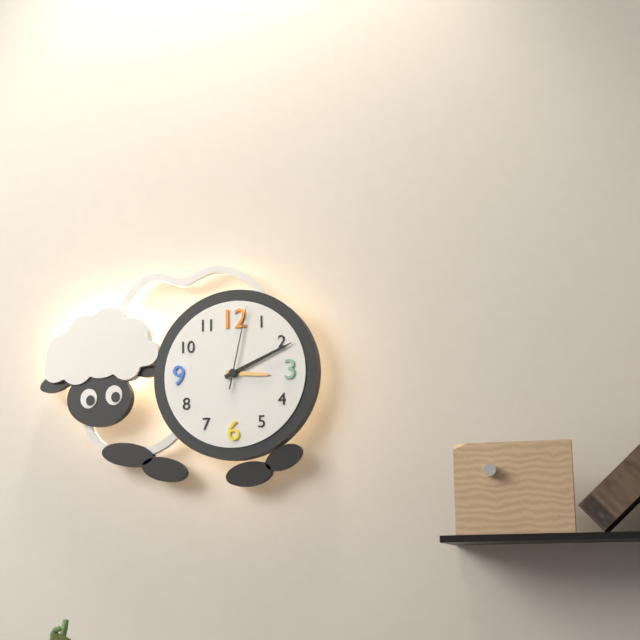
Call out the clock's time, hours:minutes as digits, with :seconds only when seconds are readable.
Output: 3:11:02
